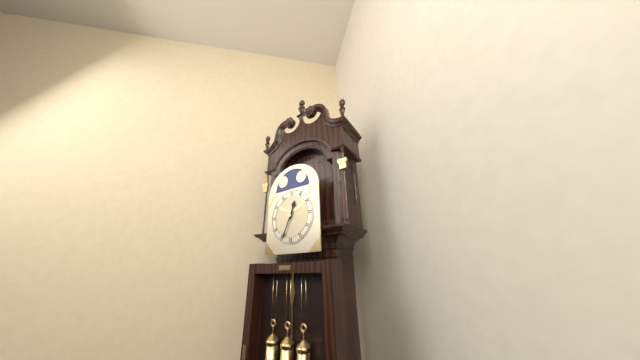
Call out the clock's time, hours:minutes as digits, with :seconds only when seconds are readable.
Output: 12:34
